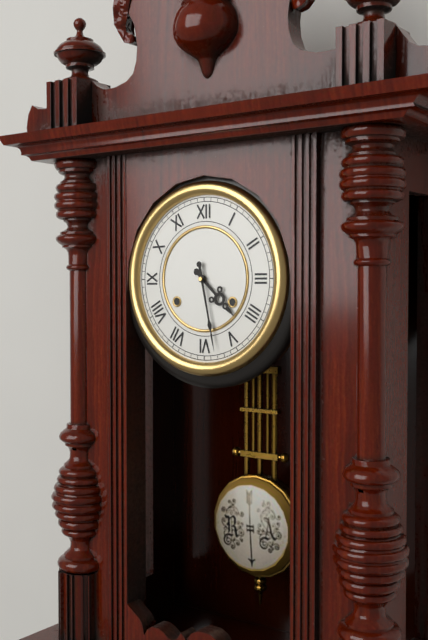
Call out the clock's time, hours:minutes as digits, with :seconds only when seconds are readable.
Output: 4:28
